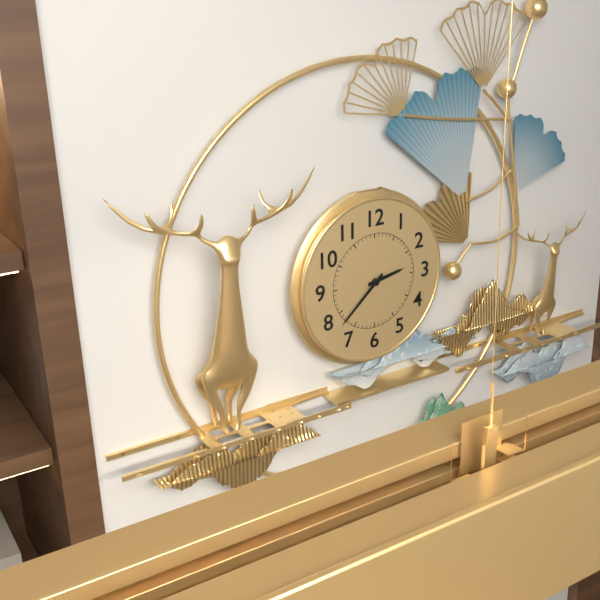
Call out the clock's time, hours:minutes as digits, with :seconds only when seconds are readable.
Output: 2:38
